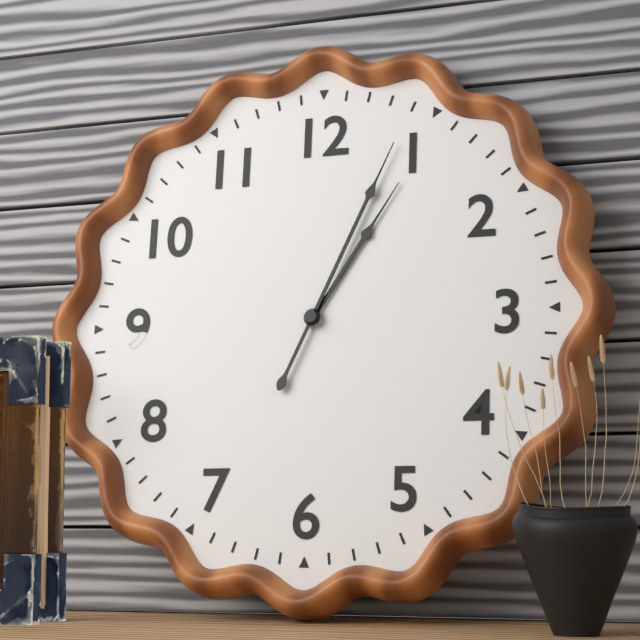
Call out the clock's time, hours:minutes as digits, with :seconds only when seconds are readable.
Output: 1:04
